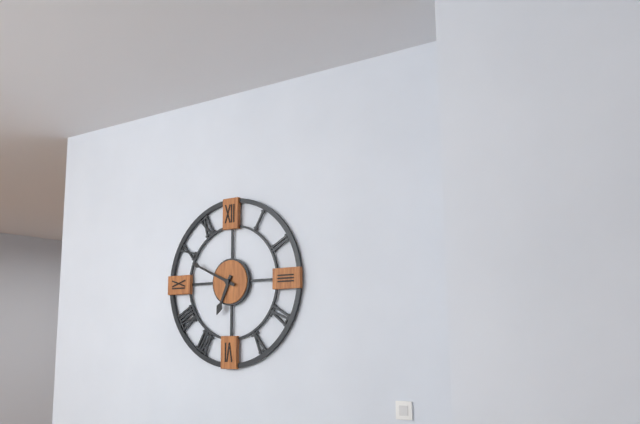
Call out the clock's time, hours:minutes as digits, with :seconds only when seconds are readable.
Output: 6:49
